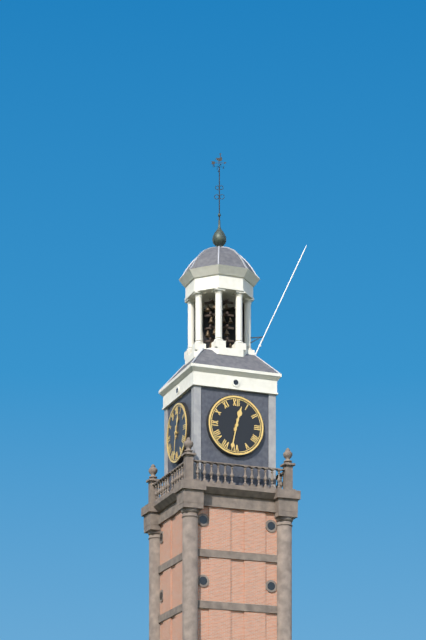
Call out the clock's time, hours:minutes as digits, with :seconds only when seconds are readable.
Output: 12:32
